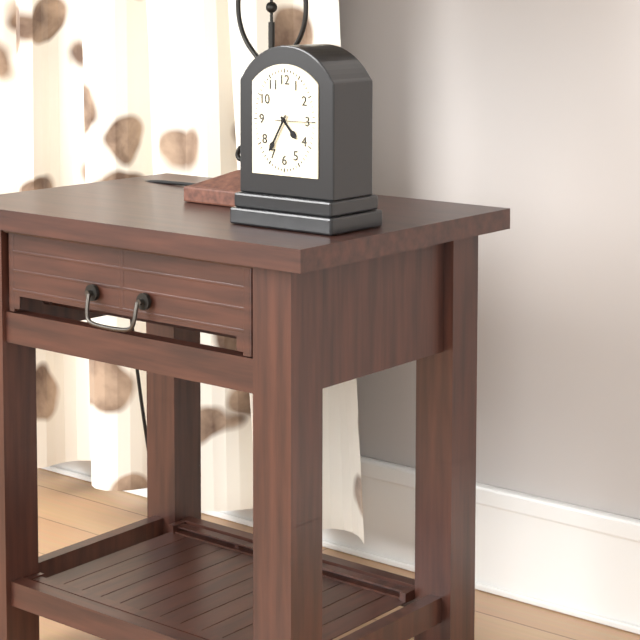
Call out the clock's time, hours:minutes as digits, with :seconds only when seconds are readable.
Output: 4:35
